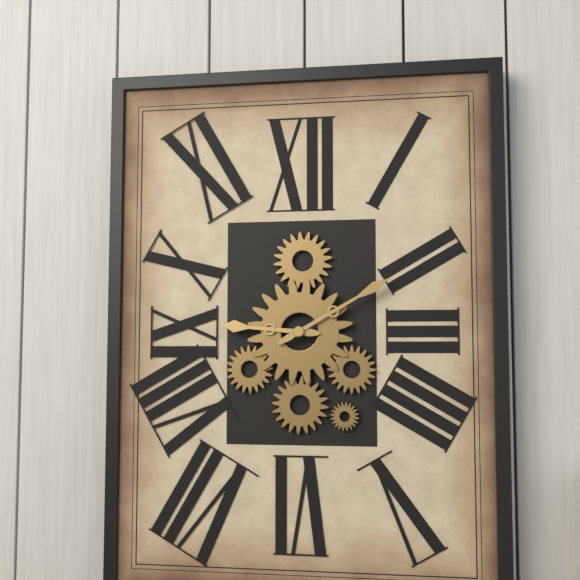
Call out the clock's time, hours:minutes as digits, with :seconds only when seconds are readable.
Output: 9:10
